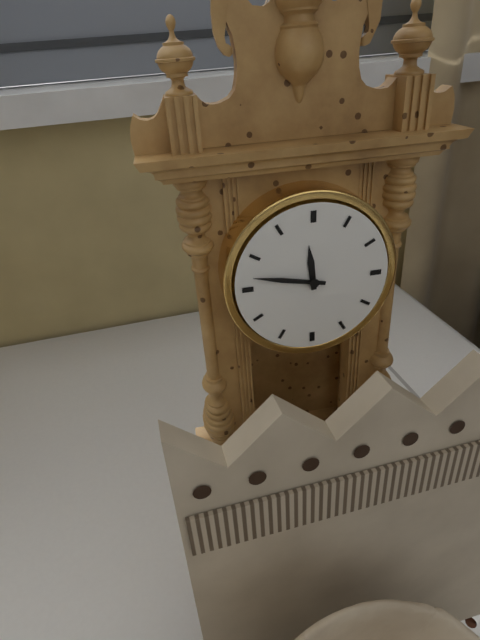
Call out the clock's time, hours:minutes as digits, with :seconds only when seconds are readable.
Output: 11:47
